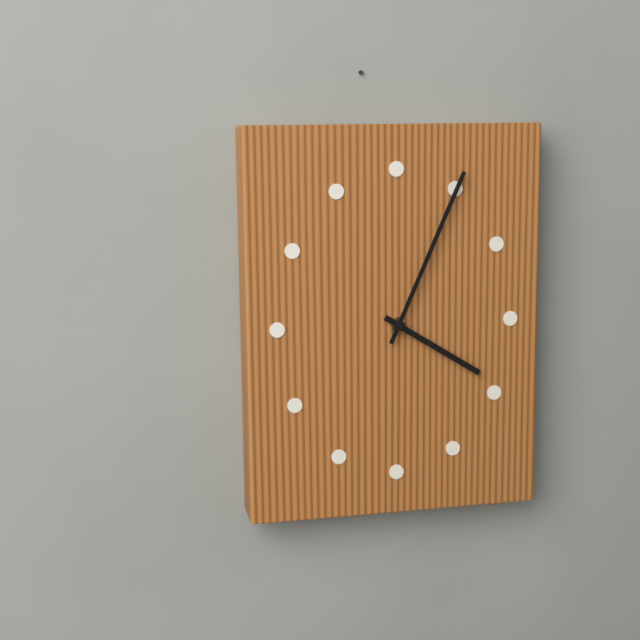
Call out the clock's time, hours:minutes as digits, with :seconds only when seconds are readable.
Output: 4:04
